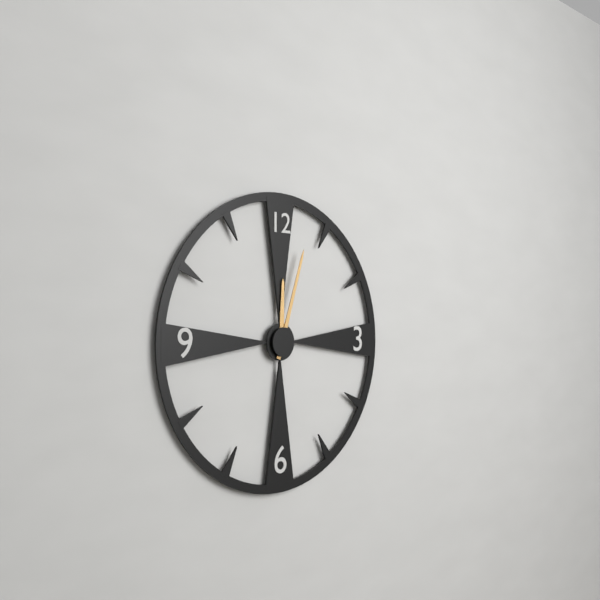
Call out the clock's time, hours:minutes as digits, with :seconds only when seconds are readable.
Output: 12:03
